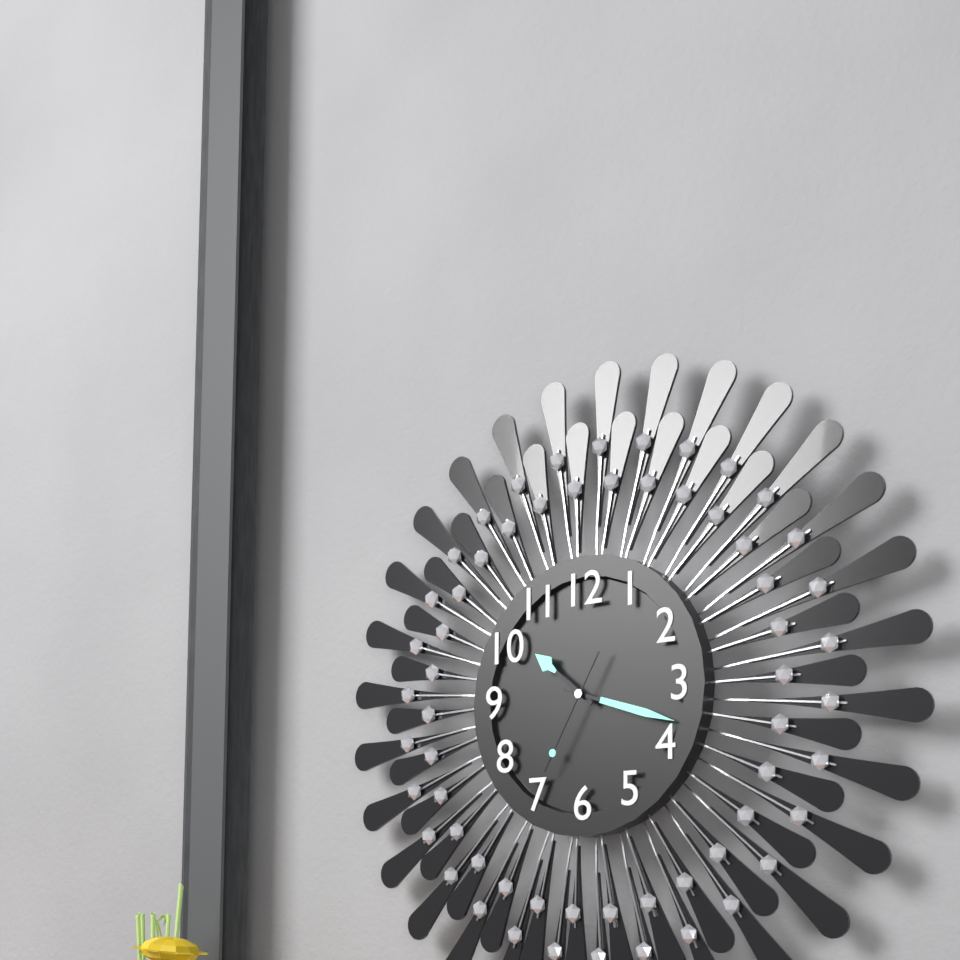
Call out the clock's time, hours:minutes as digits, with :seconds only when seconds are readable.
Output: 10:18:35
